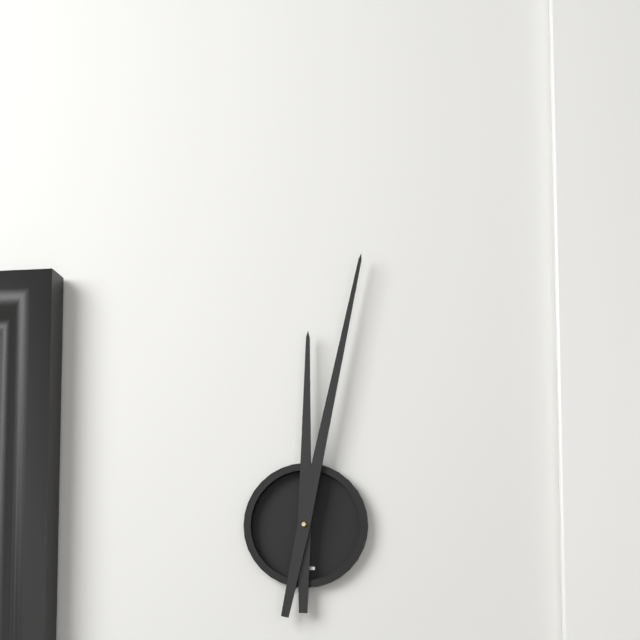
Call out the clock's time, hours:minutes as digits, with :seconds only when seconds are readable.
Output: 12:02
